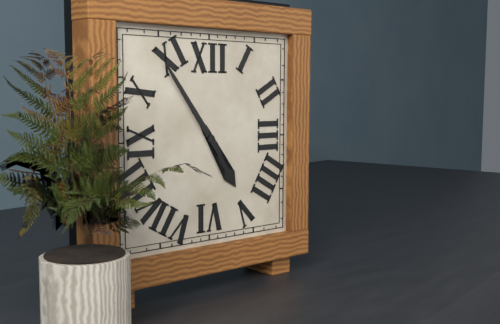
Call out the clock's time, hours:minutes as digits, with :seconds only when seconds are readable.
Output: 4:54
